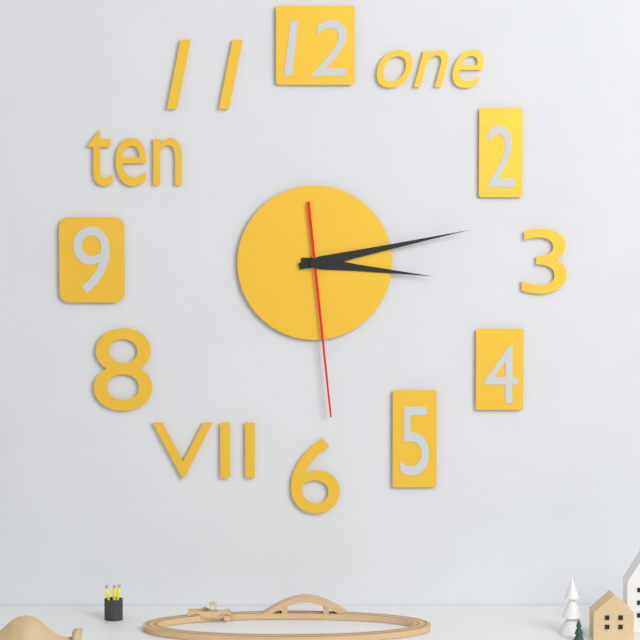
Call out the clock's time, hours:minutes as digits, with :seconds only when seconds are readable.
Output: 3:13:29
